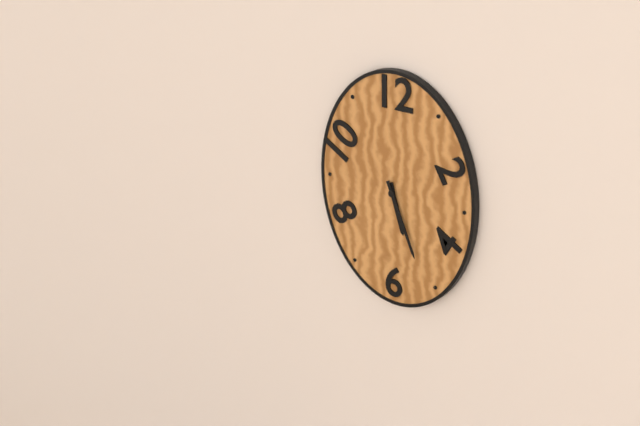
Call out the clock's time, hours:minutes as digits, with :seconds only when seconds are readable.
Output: 5:26
